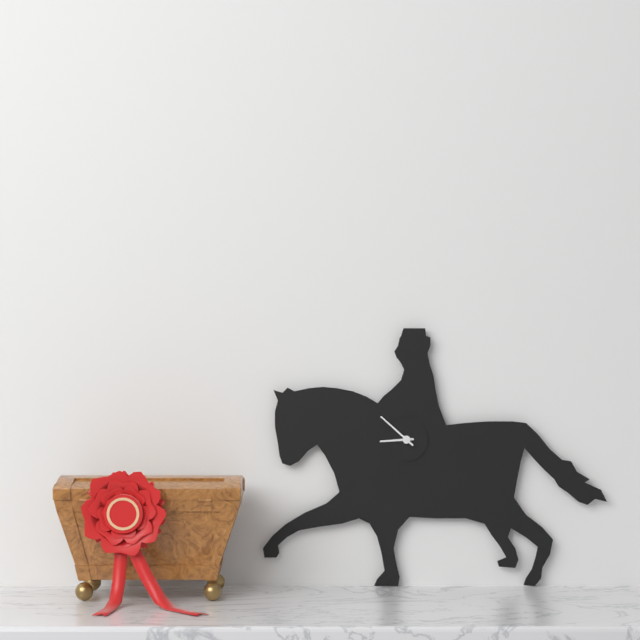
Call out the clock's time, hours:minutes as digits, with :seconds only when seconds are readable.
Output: 8:52
